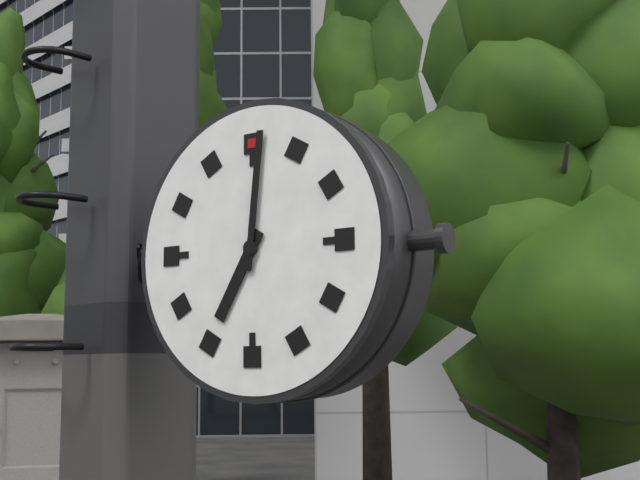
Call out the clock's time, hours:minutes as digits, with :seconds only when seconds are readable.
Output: 7:01
